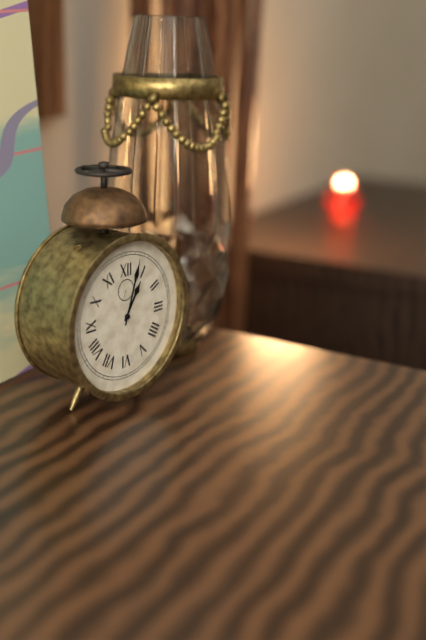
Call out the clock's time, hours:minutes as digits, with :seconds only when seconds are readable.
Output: 1:03
